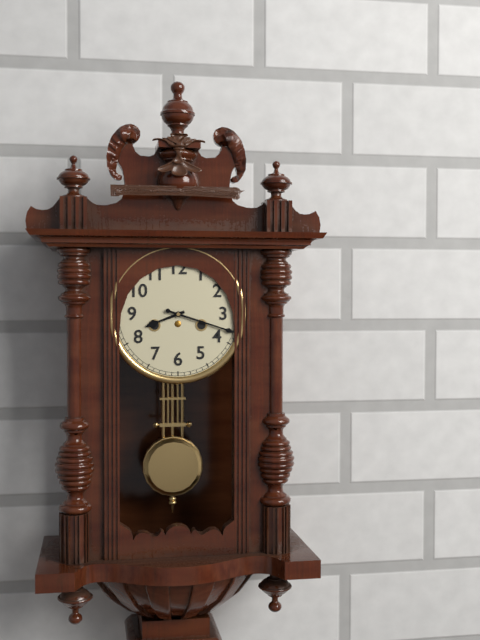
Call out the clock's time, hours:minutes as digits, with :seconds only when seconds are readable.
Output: 8:18
